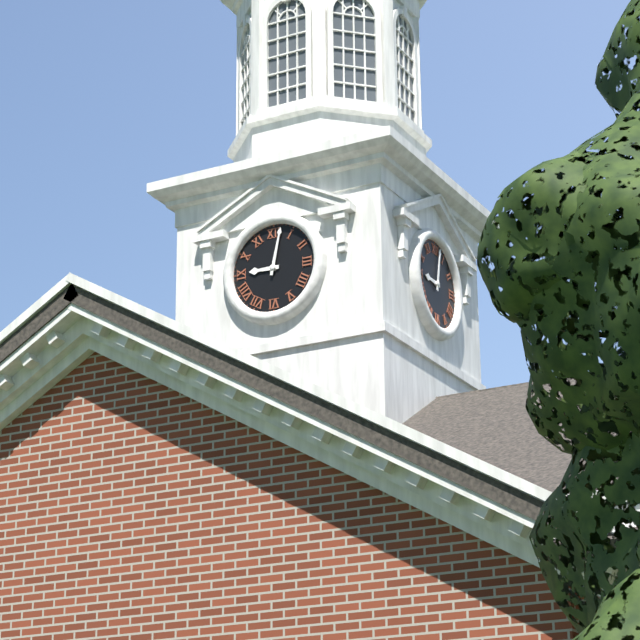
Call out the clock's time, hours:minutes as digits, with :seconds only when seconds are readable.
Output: 9:02
